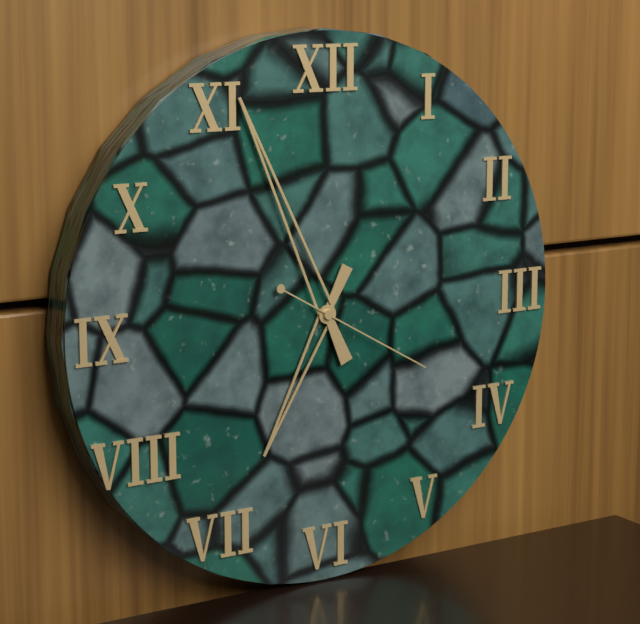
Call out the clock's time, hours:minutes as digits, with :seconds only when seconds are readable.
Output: 6:56:20
